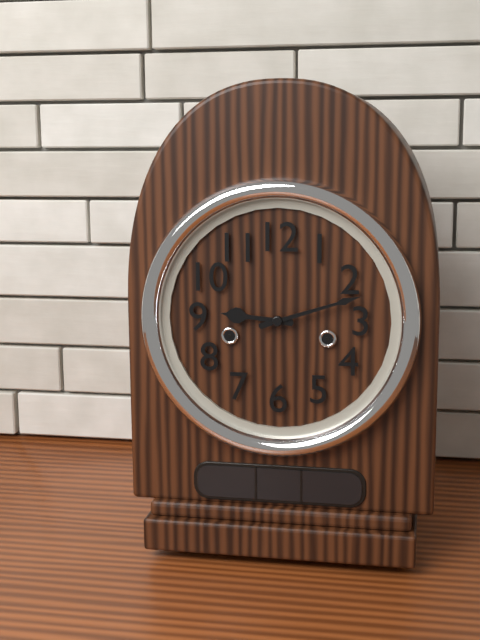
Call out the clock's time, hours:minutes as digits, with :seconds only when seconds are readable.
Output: 9:12
